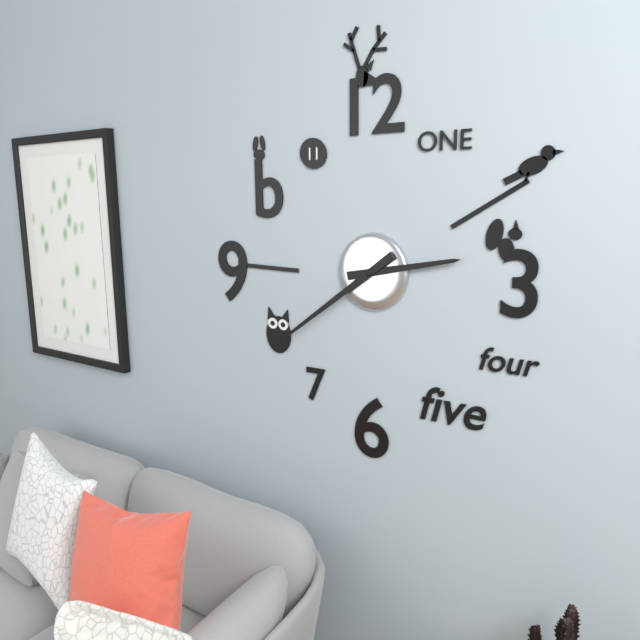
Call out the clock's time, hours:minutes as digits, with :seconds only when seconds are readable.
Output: 2:39
